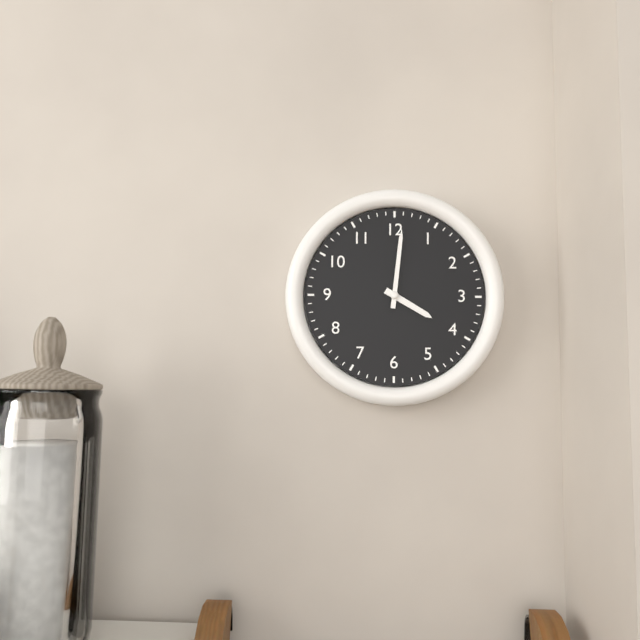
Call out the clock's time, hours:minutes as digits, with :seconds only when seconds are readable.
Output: 4:01
